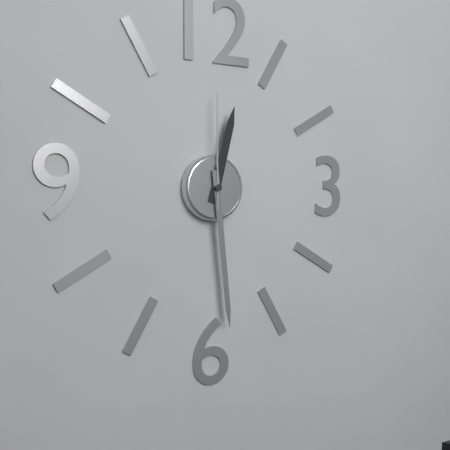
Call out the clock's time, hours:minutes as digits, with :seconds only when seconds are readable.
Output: 12:29:00
